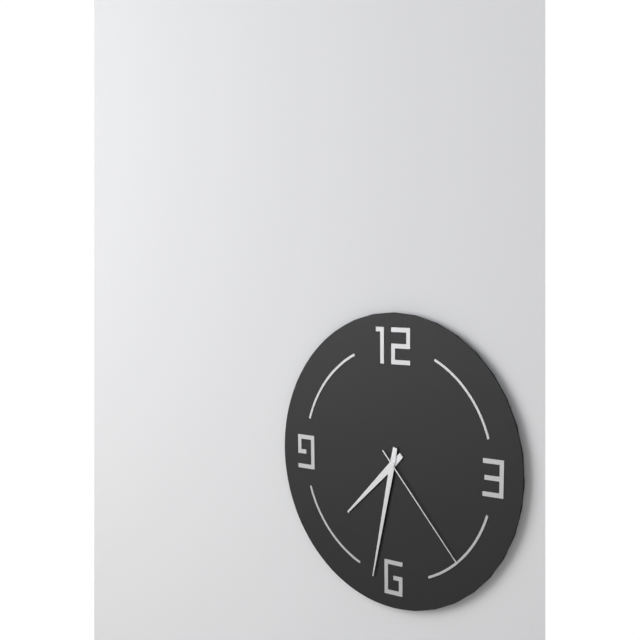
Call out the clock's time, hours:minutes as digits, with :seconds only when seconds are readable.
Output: 7:32:23
